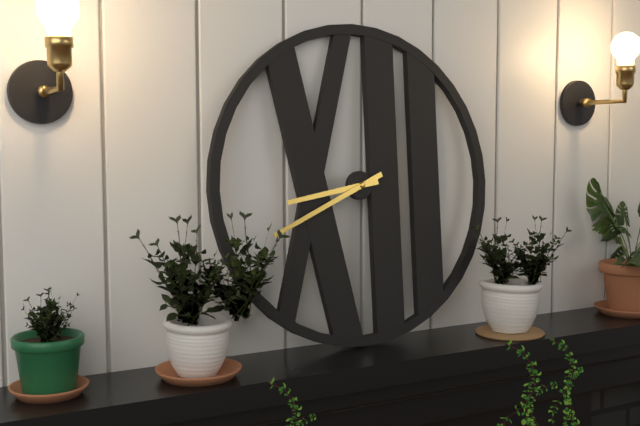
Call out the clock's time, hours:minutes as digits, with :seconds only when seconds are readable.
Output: 8:41
